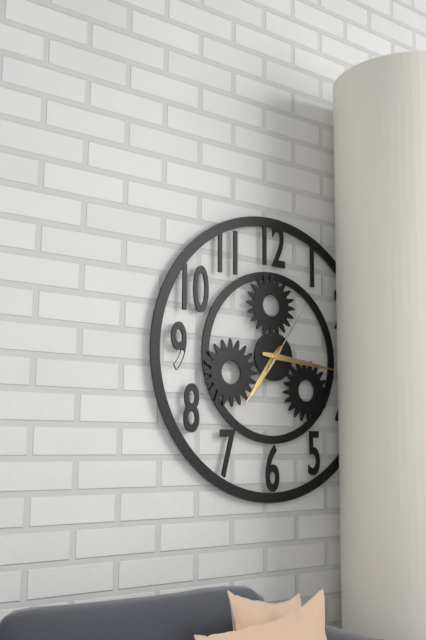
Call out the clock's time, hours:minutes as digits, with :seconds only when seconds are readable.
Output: 7:16:06
